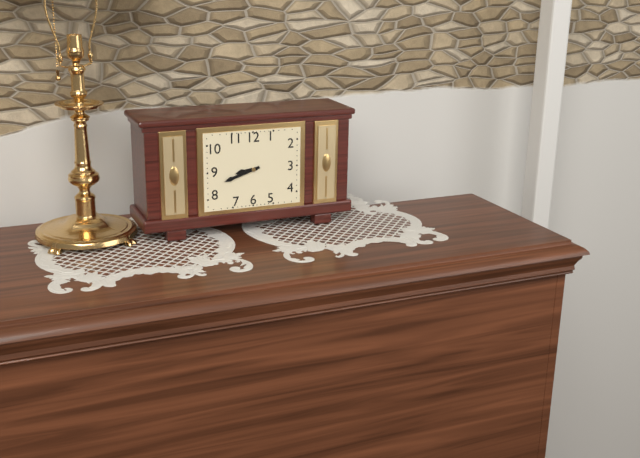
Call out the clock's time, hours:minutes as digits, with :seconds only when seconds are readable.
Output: 8:42
